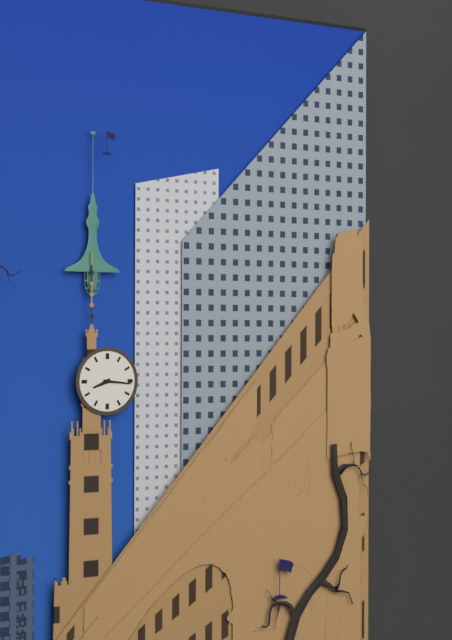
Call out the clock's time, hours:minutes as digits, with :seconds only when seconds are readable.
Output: 8:16
